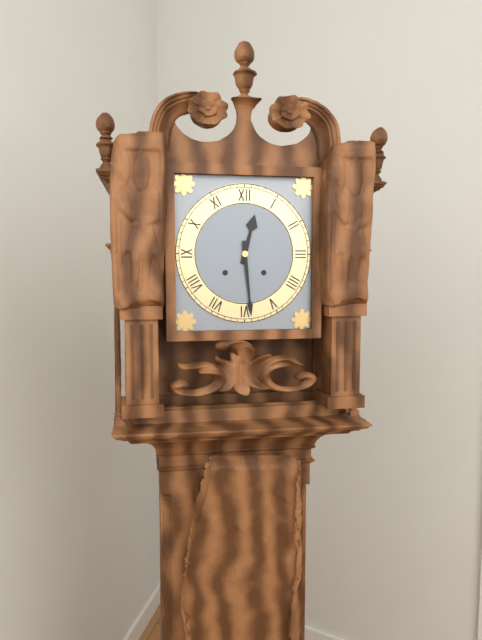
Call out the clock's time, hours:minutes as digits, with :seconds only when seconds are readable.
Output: 12:29
